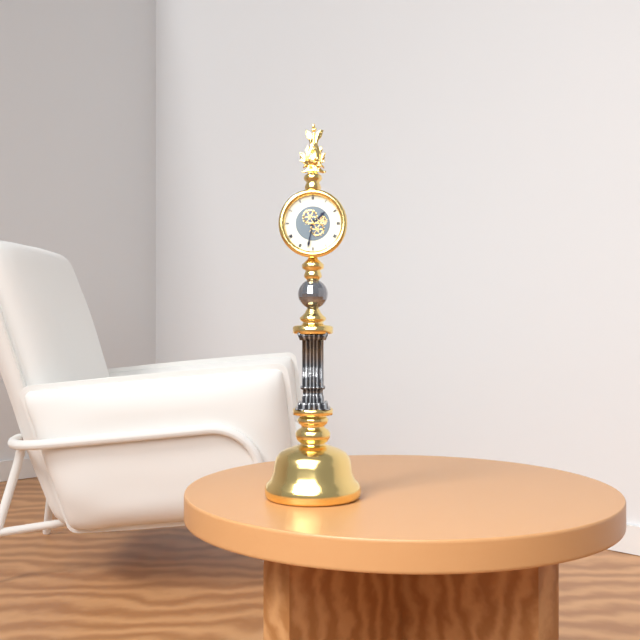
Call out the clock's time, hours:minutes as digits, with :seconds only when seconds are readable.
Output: 1:32
